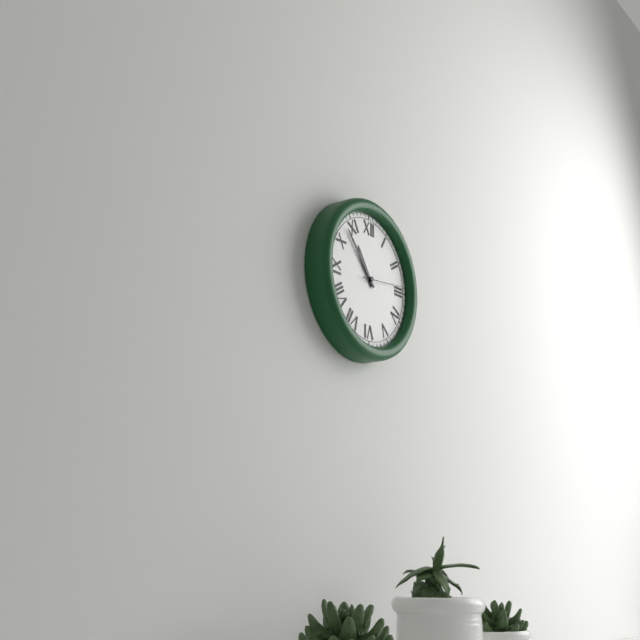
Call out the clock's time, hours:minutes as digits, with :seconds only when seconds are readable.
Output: 10:53:14
